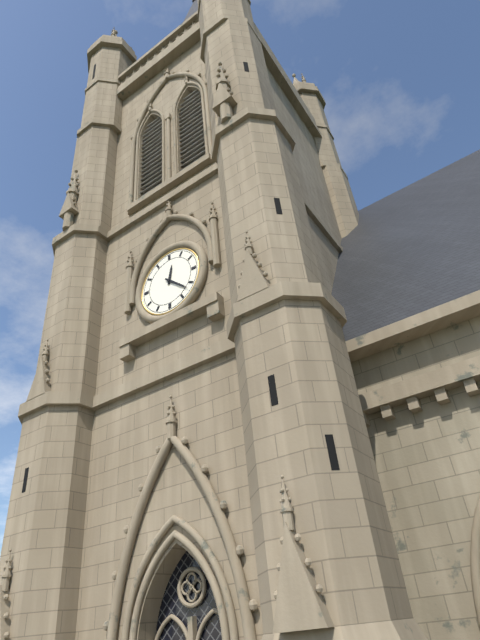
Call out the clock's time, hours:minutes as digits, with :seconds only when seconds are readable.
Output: 12:22
